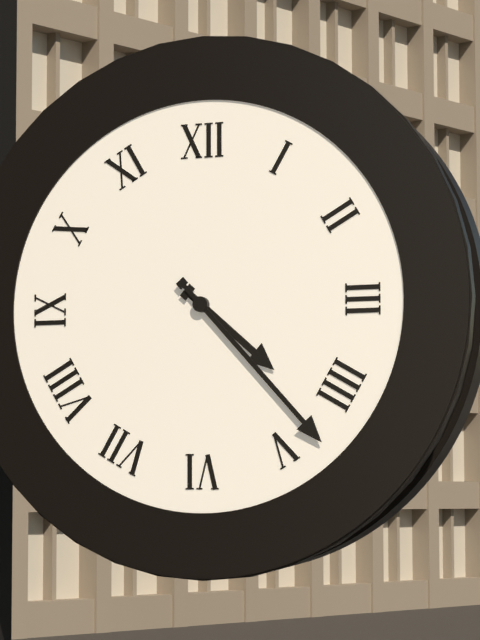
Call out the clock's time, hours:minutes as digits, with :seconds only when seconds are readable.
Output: 4:23
